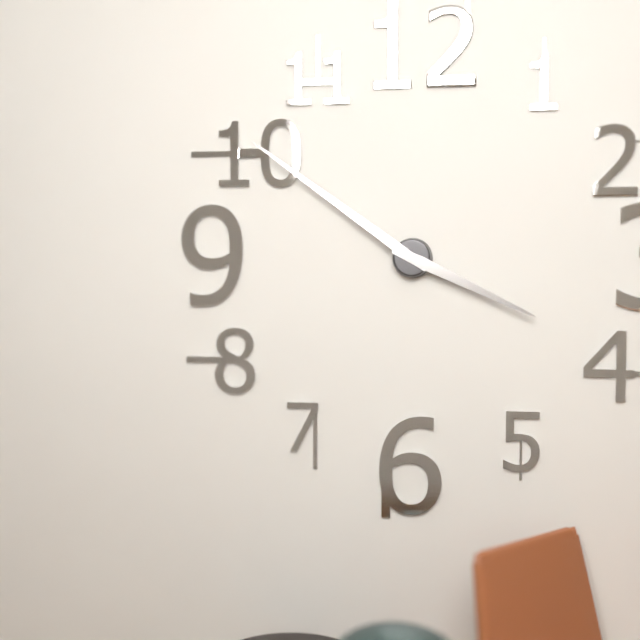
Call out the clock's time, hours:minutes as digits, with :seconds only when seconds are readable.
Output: 3:51
